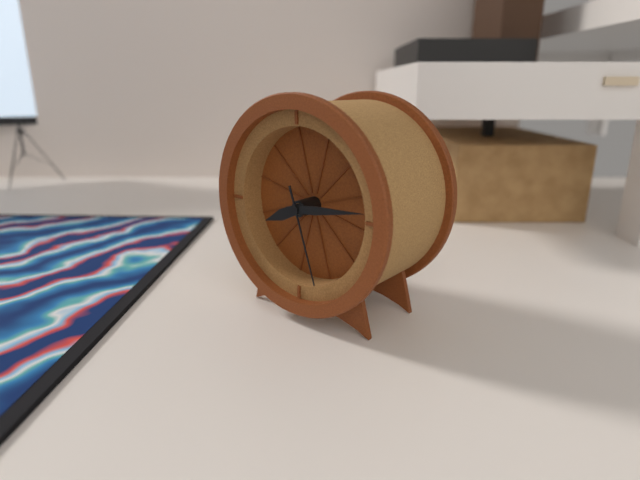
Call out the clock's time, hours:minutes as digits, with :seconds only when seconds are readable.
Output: 8:14:27
